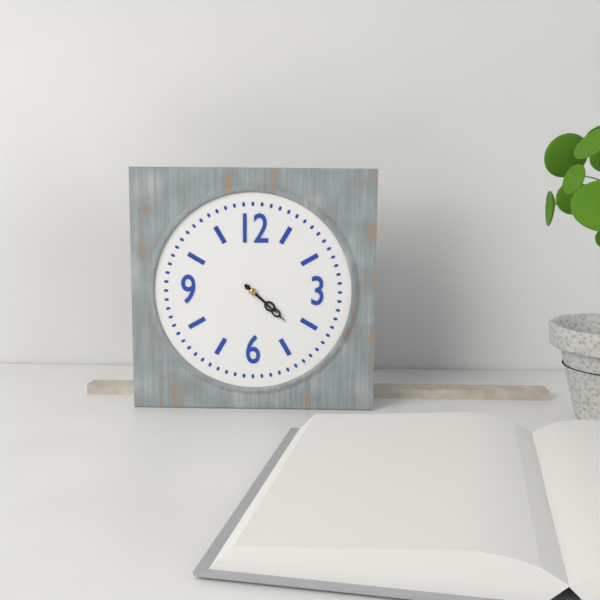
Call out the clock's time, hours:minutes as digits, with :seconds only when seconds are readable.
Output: 4:22
